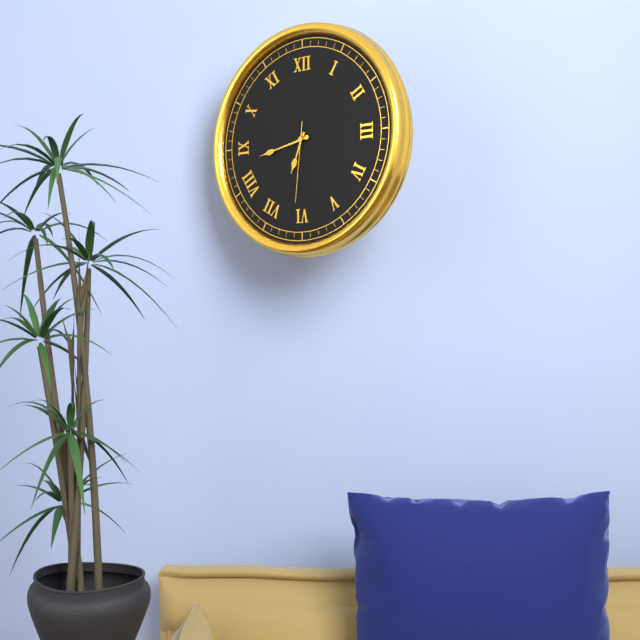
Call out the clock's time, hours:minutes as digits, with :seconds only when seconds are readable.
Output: 6:43:31
